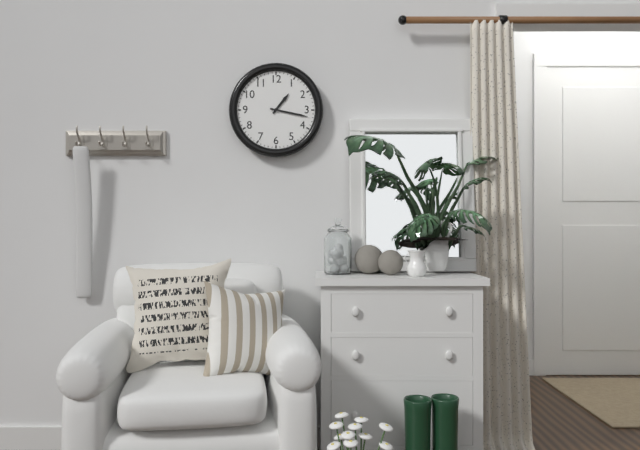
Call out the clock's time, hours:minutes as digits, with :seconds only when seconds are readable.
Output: 1:17
